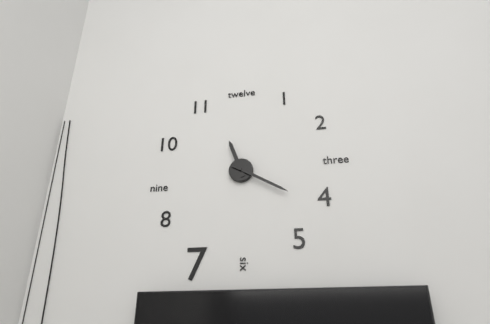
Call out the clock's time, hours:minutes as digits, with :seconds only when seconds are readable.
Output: 11:20
